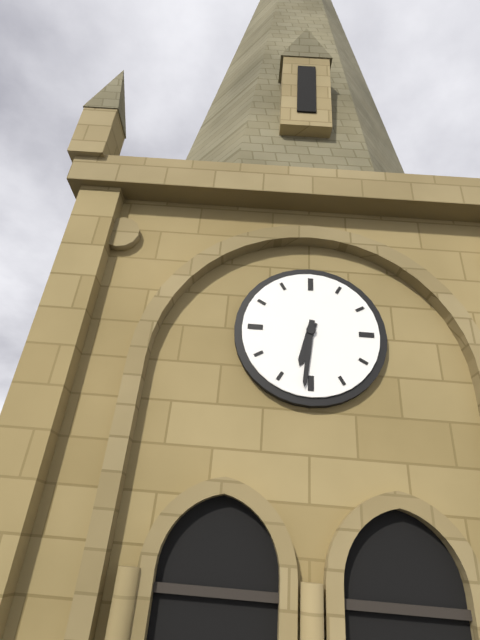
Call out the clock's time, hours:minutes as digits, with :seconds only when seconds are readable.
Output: 6:31
